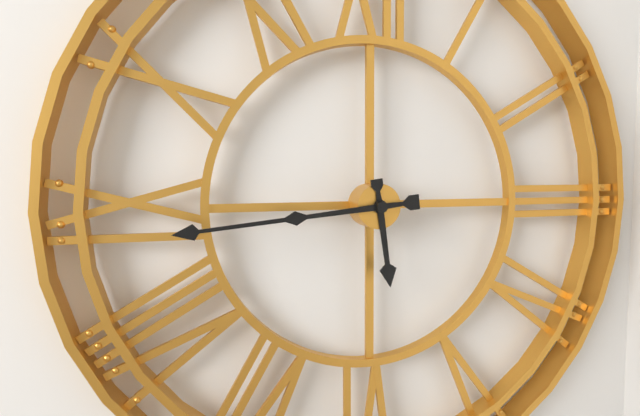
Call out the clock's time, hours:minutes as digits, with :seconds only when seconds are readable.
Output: 5:44
